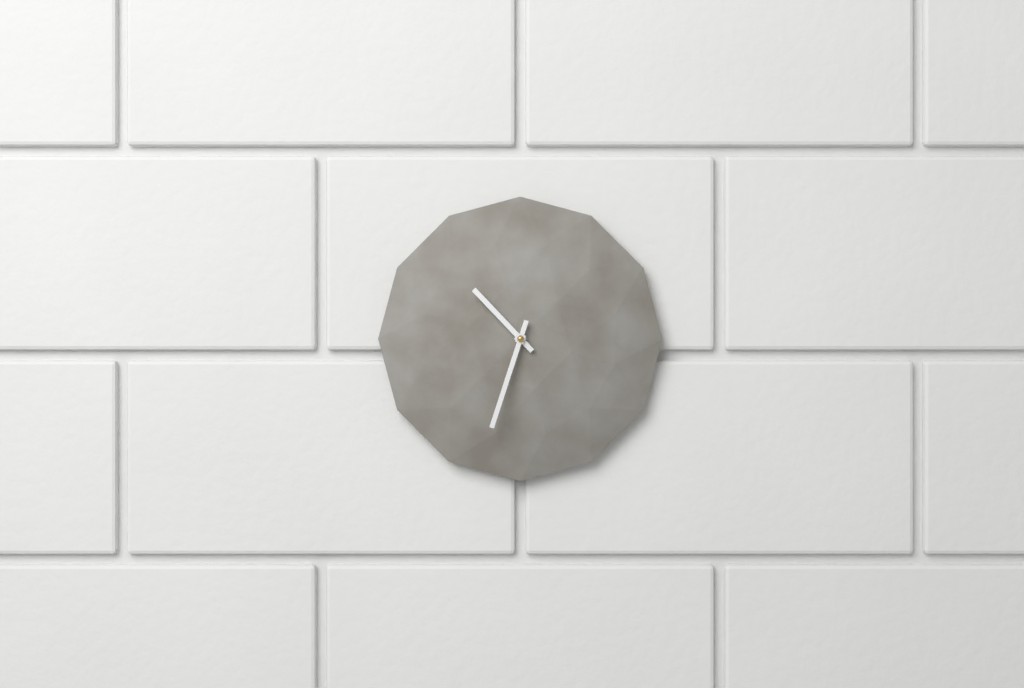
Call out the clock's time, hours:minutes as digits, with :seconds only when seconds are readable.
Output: 10:33
